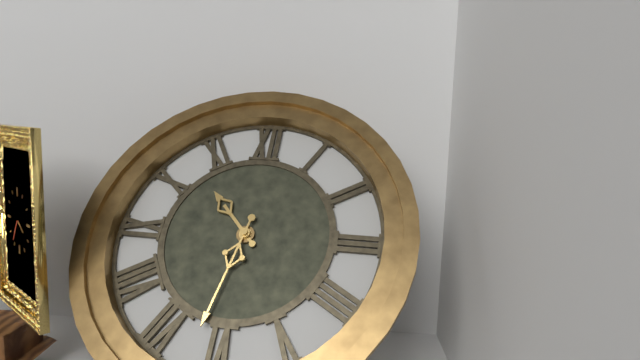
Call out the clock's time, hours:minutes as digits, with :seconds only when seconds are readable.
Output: 10:32
